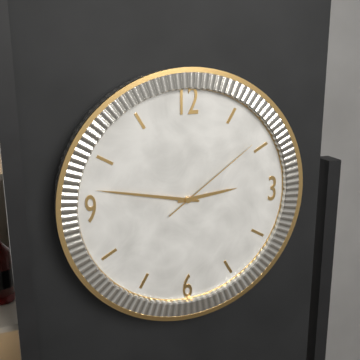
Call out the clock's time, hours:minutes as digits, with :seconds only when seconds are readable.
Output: 2:47:09
